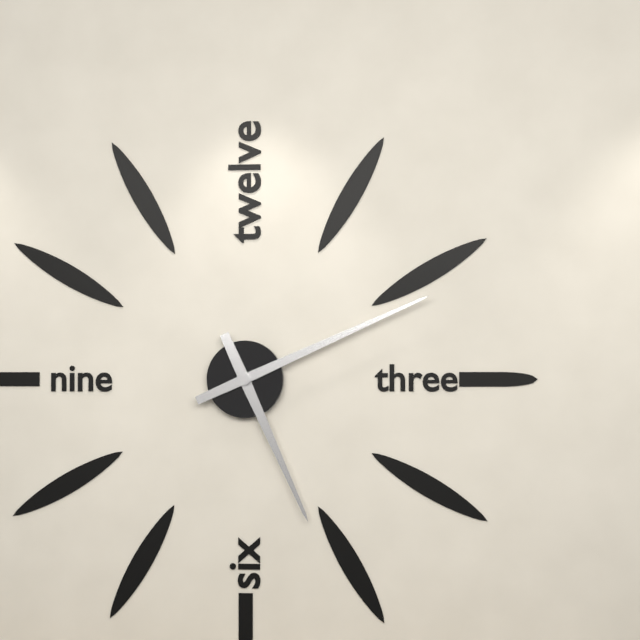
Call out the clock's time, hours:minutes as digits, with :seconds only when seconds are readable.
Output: 5:11
